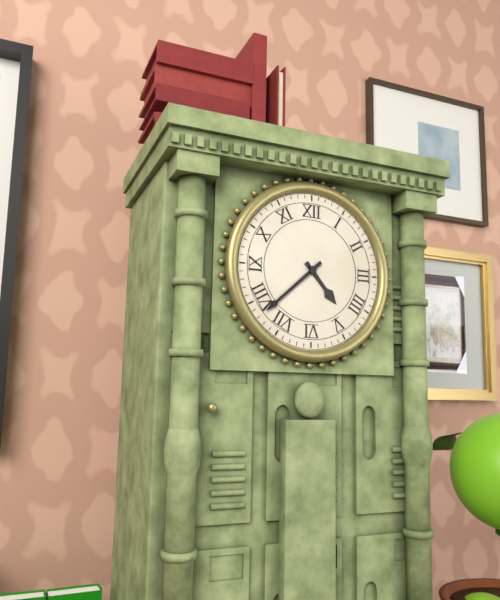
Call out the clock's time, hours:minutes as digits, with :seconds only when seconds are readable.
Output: 4:38
